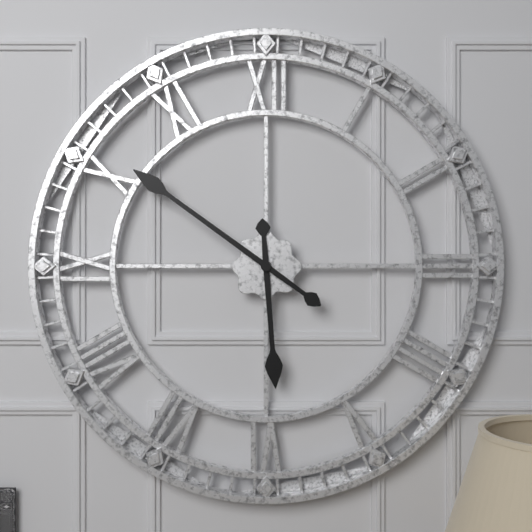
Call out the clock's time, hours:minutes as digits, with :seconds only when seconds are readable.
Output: 5:51
